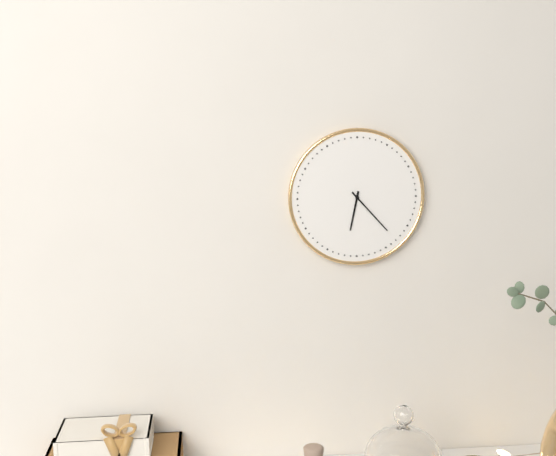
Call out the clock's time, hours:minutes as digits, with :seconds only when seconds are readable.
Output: 6:23
